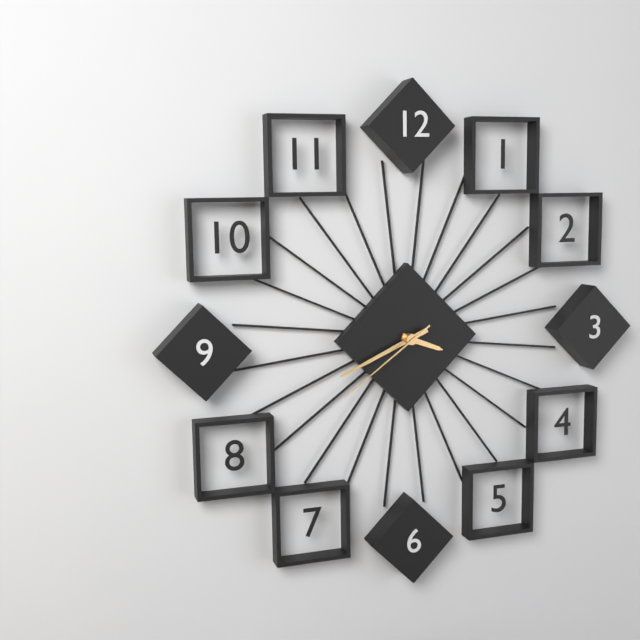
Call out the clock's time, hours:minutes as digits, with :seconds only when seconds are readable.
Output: 3:41:39
